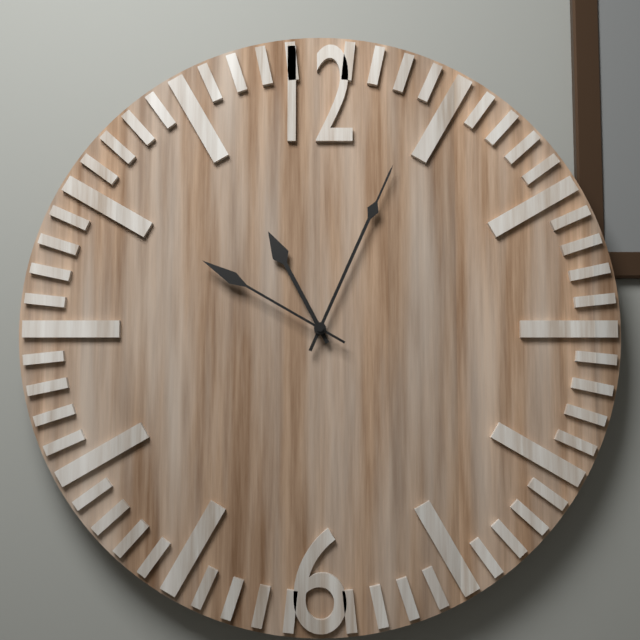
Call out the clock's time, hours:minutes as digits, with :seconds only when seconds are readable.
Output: 11:04:50
